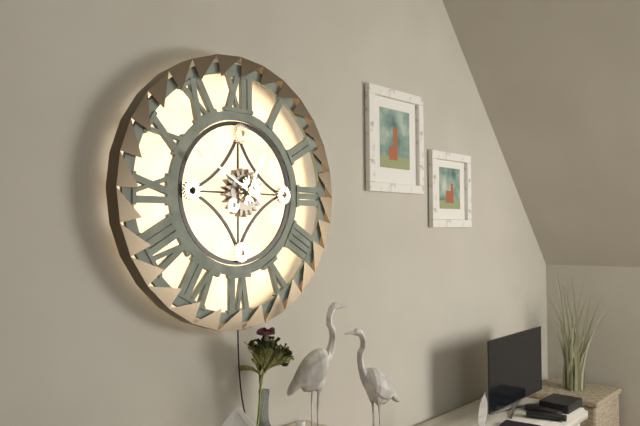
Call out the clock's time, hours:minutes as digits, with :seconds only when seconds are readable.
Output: 12:50
